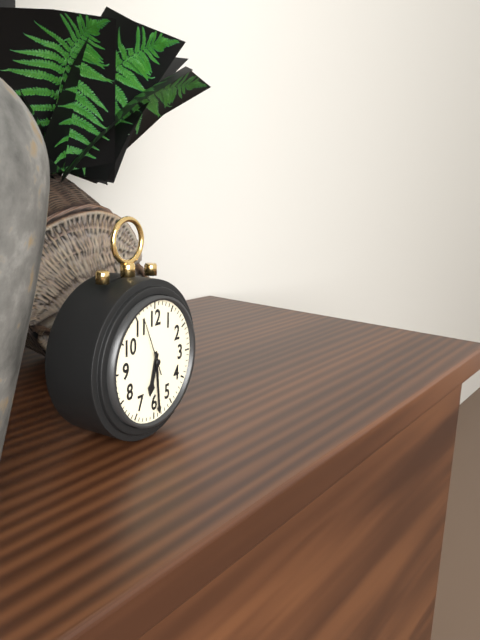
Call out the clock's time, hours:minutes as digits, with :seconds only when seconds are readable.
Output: 6:29:56
